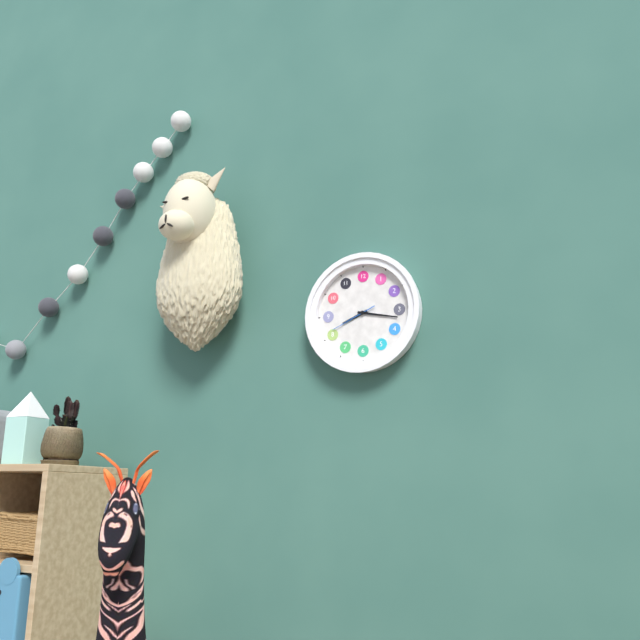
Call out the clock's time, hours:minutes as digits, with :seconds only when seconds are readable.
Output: 8:17
